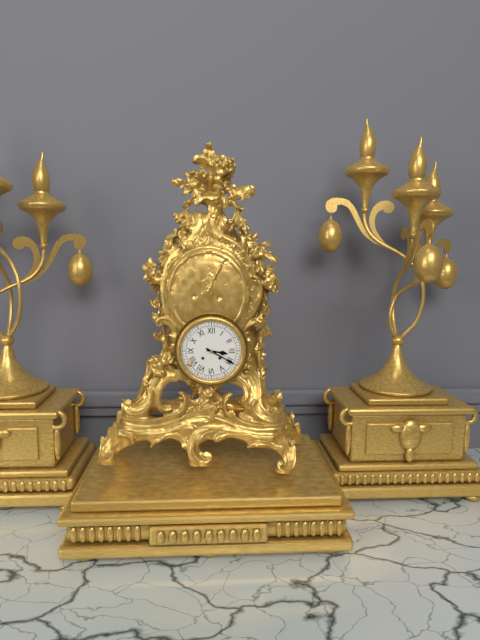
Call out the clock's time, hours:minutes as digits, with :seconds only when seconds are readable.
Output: 3:20
